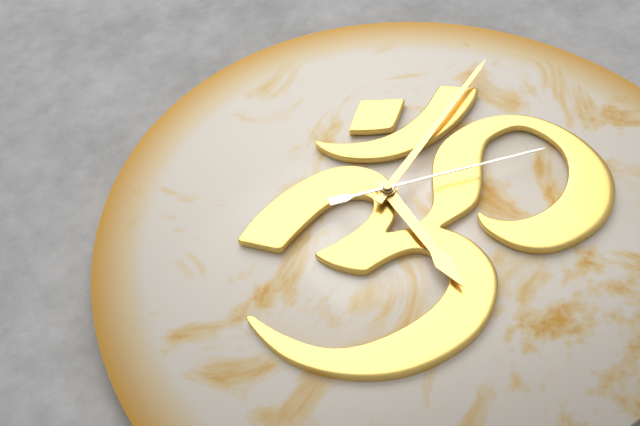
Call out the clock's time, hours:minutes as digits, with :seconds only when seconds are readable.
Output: 6:11:18
